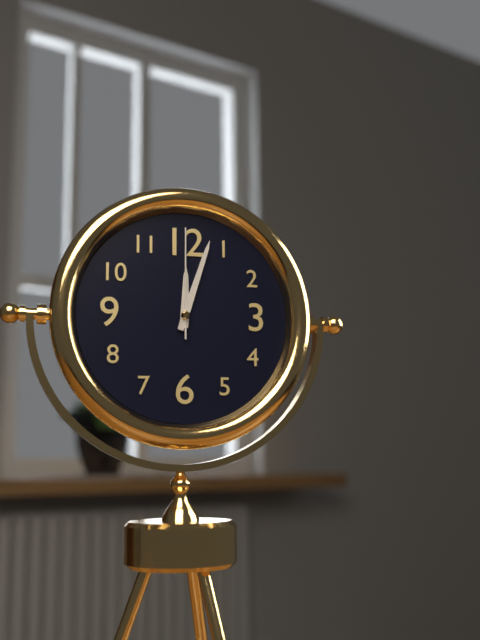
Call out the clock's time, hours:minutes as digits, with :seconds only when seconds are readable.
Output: 12:03:00
